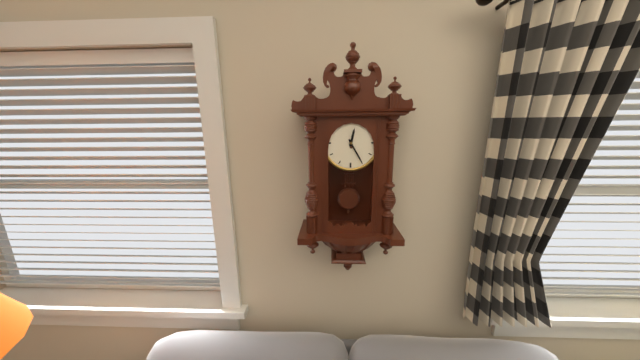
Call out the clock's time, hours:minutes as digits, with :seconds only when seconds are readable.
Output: 12:25
